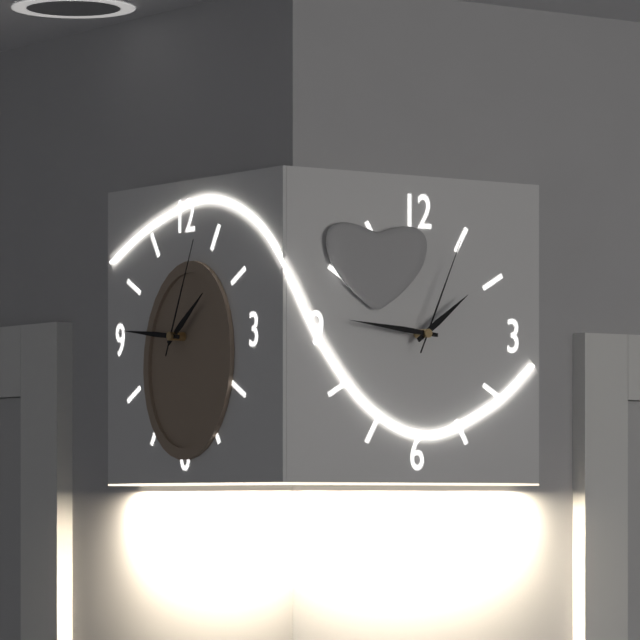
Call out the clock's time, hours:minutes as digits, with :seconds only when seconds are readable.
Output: 1:46:04
